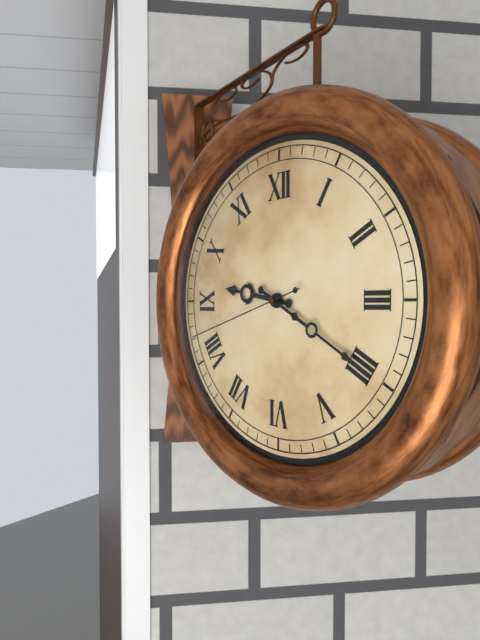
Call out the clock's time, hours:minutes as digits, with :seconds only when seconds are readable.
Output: 9:20:42
